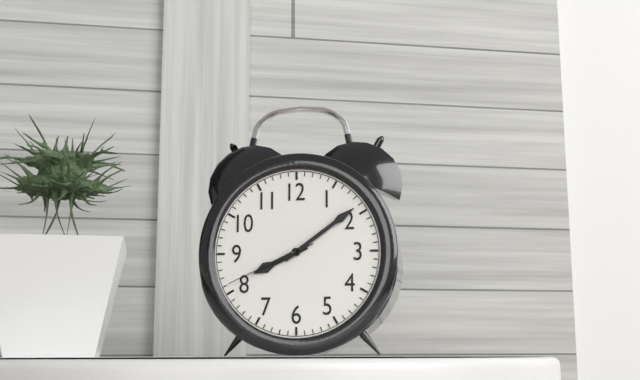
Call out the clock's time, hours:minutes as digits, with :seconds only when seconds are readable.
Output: 8:09:41
